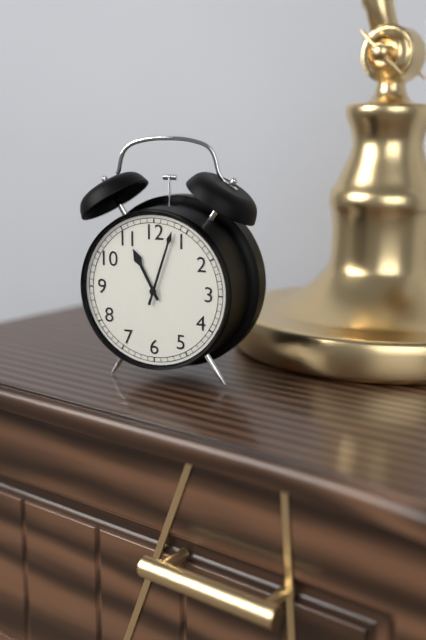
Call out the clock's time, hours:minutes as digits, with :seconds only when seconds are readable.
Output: 11:03
